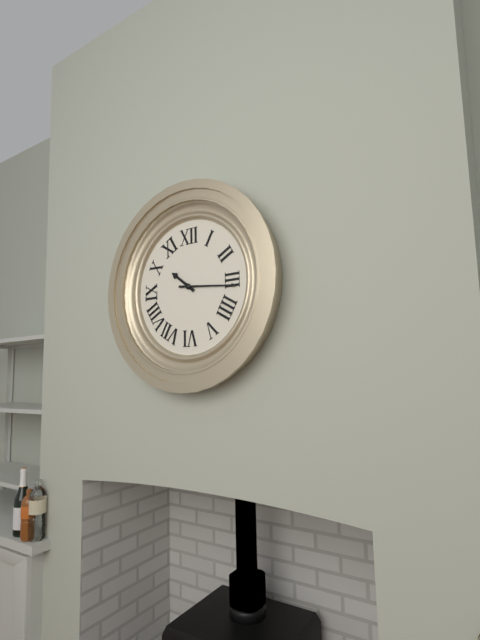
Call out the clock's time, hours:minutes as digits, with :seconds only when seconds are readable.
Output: 10:16
